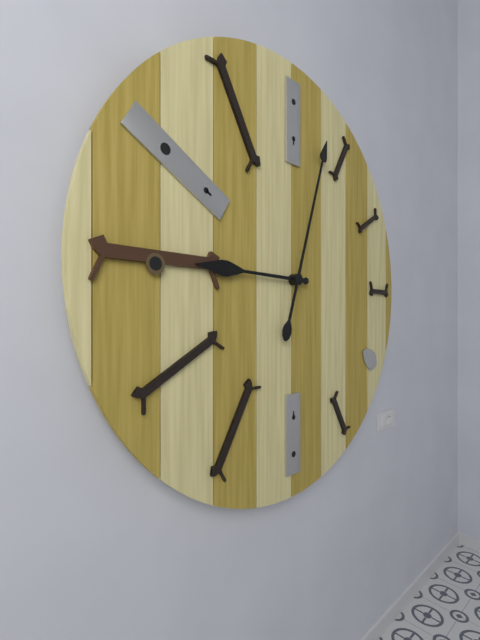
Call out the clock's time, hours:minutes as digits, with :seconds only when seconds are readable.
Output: 9:03
